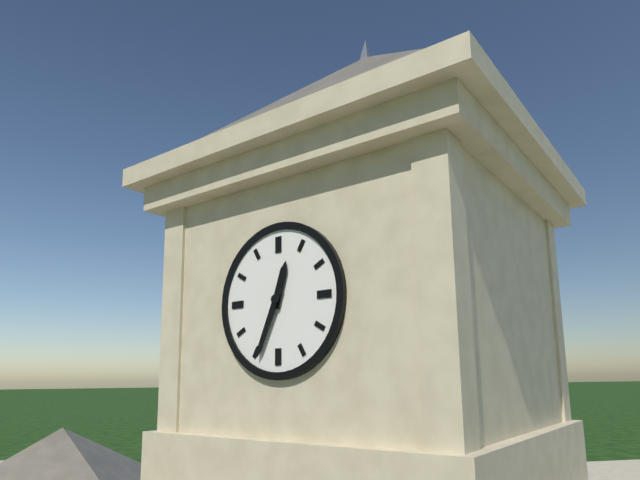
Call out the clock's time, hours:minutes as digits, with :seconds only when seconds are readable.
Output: 12:34
